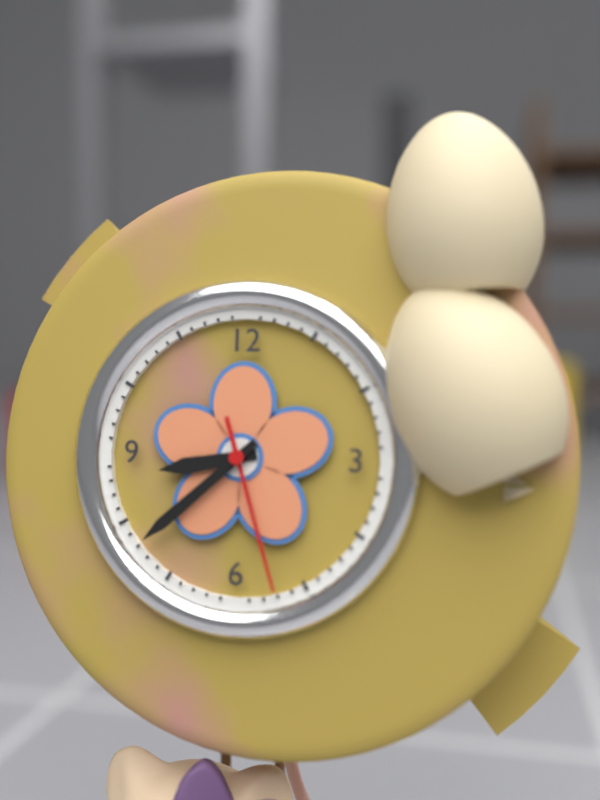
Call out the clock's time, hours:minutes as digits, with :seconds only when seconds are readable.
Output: 8:38:27
